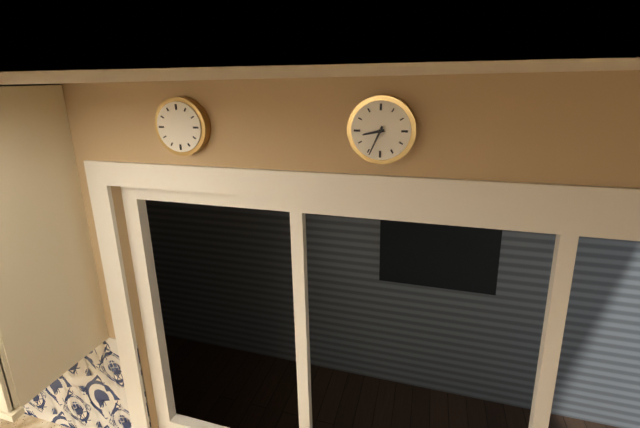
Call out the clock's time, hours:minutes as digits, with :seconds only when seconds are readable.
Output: 8:34
